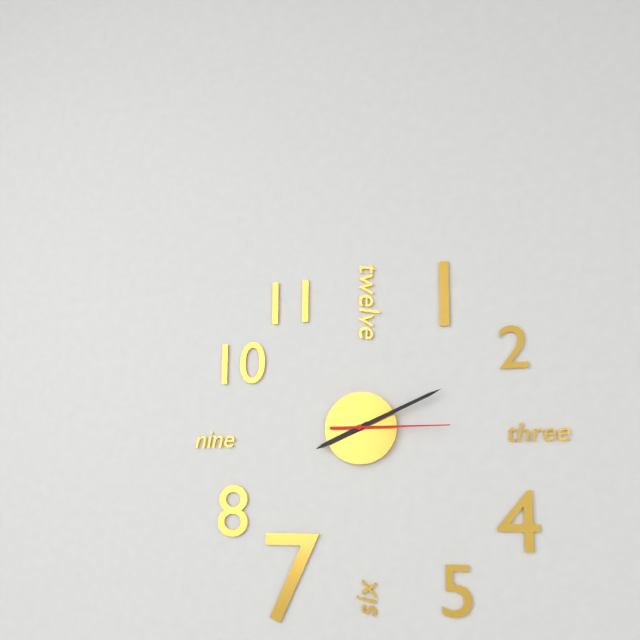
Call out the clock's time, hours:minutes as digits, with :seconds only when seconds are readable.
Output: 8:11:15
